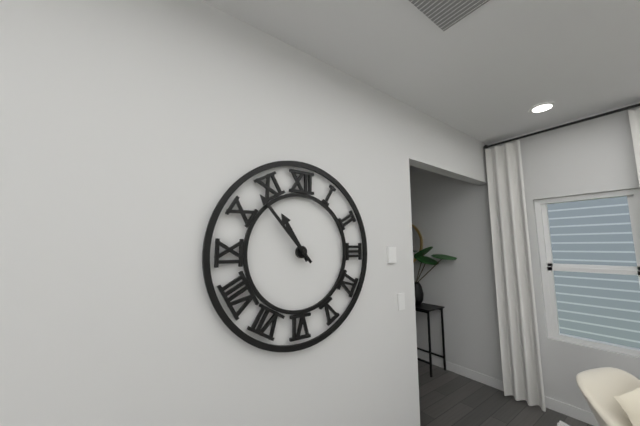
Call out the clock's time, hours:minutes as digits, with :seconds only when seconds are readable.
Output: 10:53
